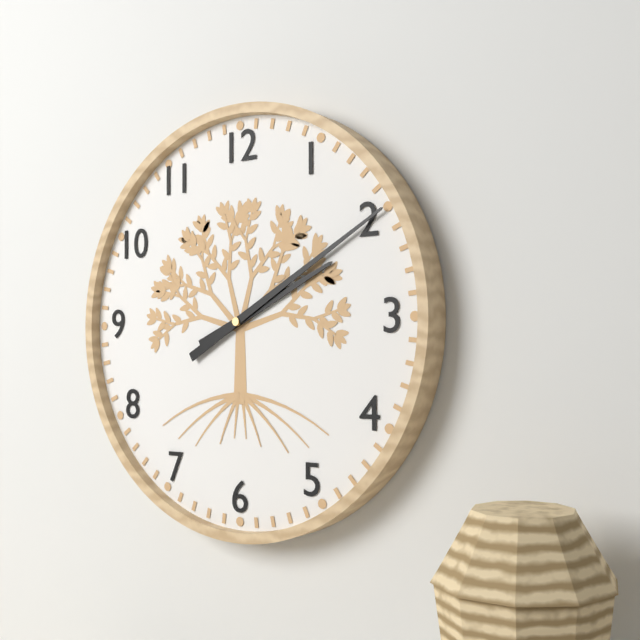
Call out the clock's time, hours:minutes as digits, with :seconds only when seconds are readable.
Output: 2:10
